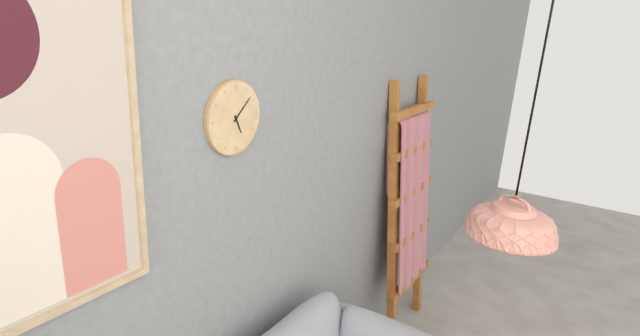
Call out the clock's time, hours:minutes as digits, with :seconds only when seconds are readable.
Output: 5:08
